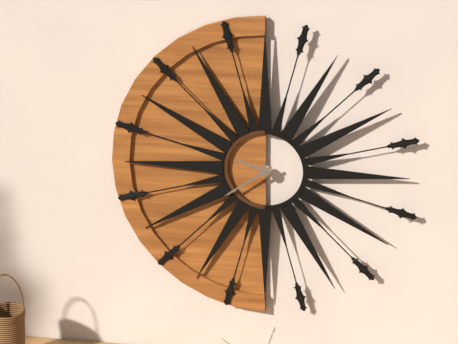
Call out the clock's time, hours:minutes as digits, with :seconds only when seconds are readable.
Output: 9:39
